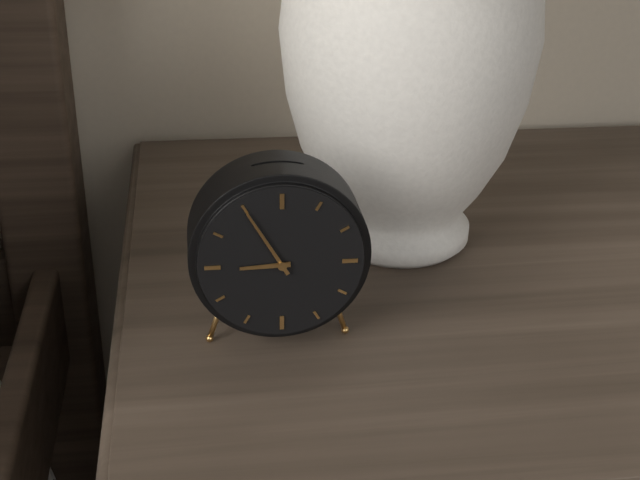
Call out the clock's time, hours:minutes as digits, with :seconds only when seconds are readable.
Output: 8:55
